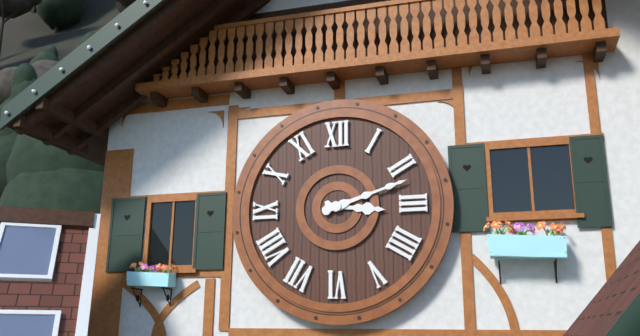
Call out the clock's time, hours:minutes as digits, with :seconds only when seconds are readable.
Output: 3:12
